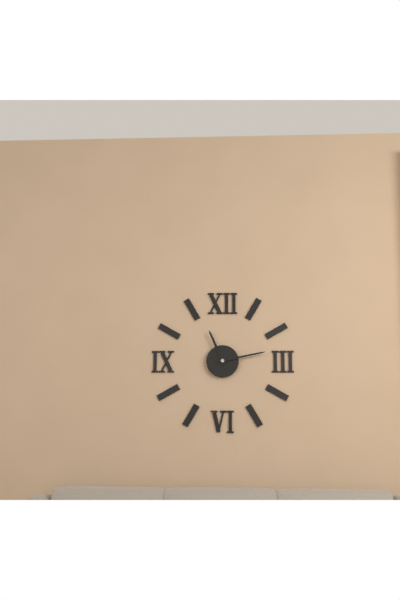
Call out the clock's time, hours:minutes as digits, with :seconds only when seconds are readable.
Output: 11:13
